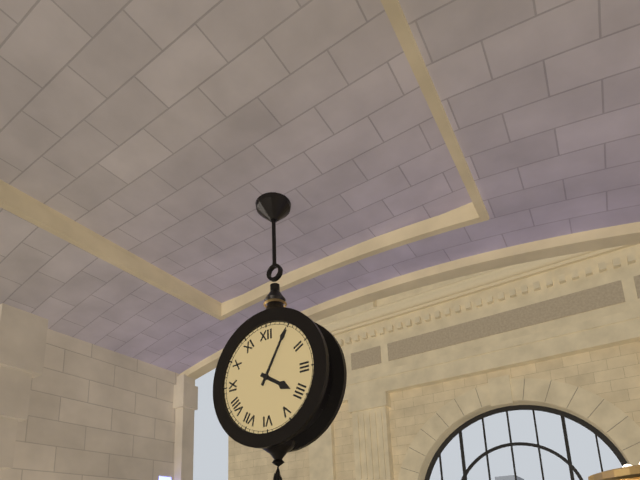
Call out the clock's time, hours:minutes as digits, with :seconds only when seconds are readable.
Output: 4:05
